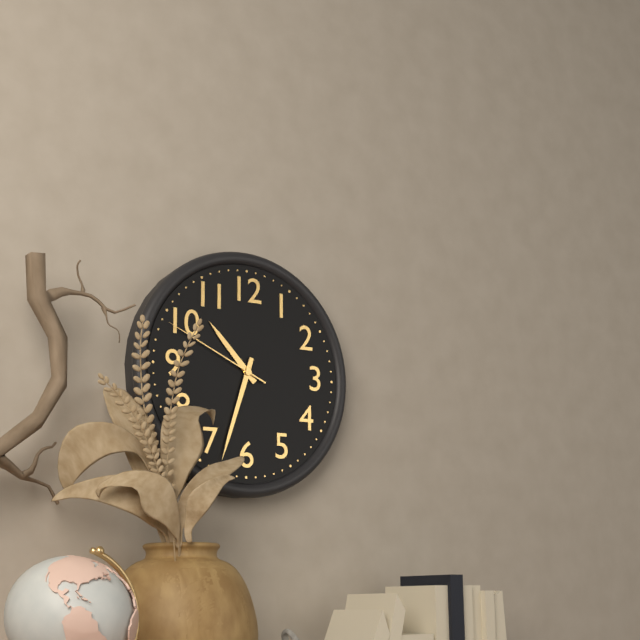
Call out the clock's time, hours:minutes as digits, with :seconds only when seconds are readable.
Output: 10:33:49
